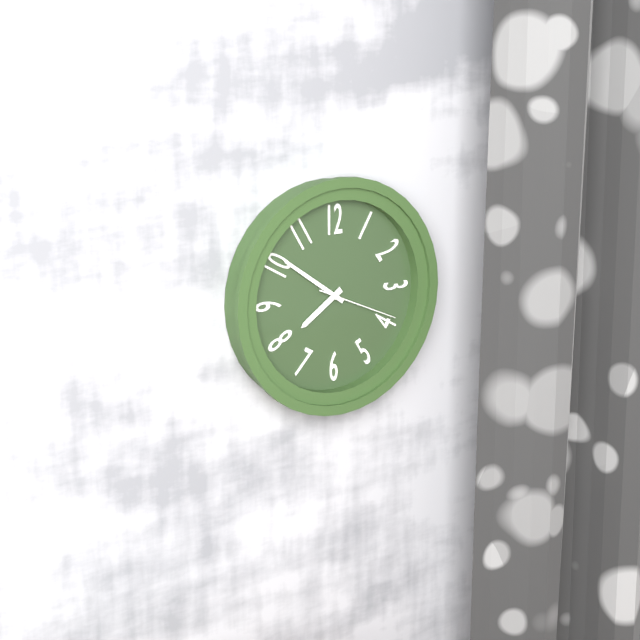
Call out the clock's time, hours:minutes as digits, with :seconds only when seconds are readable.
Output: 7:51:19
